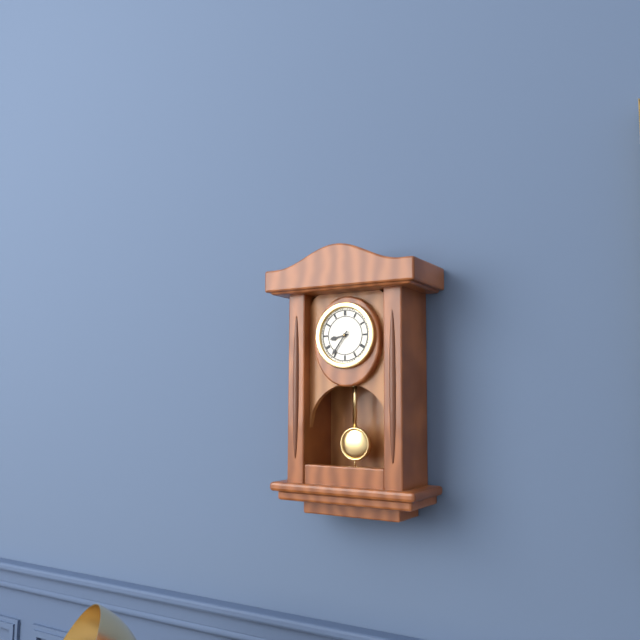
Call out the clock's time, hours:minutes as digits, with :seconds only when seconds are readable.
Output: 8:36
